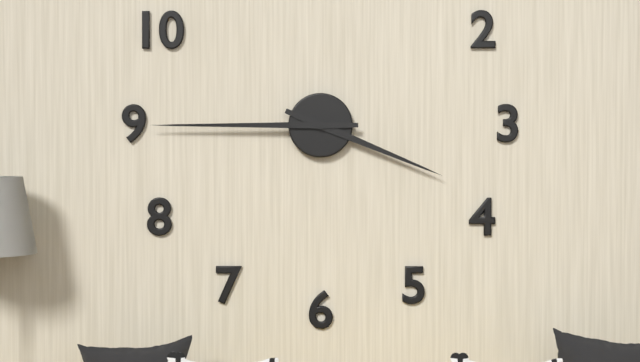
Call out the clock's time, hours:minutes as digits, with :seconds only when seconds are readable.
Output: 3:45
